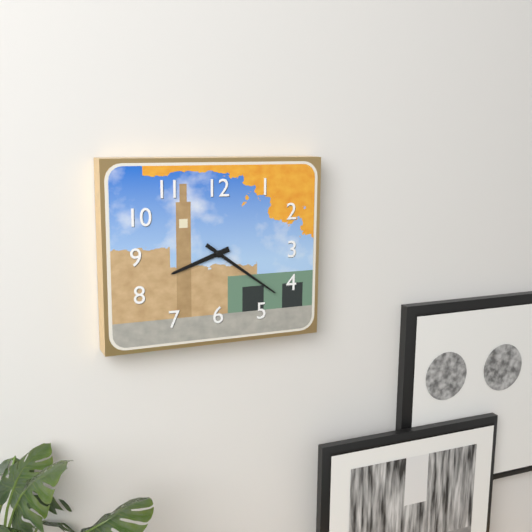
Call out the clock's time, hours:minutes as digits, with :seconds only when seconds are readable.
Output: 8:21
